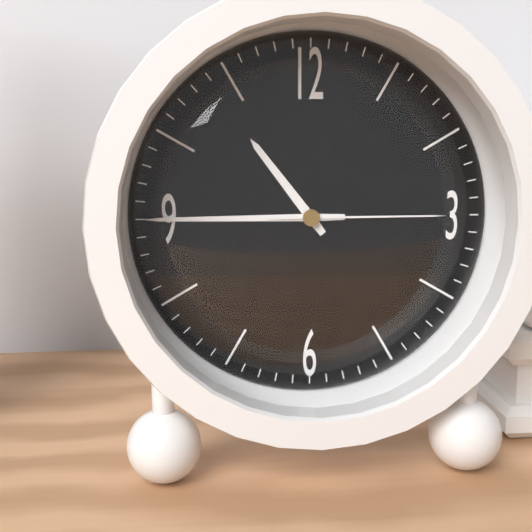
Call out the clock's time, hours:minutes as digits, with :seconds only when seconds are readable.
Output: 10:45:15
